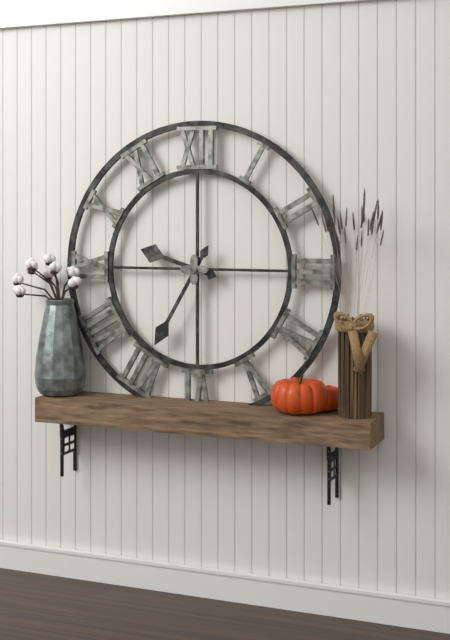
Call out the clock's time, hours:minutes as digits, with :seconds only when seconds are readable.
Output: 9:35
